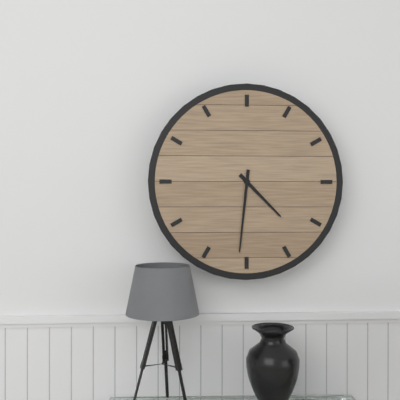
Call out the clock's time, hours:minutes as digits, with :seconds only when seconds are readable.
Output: 4:31
